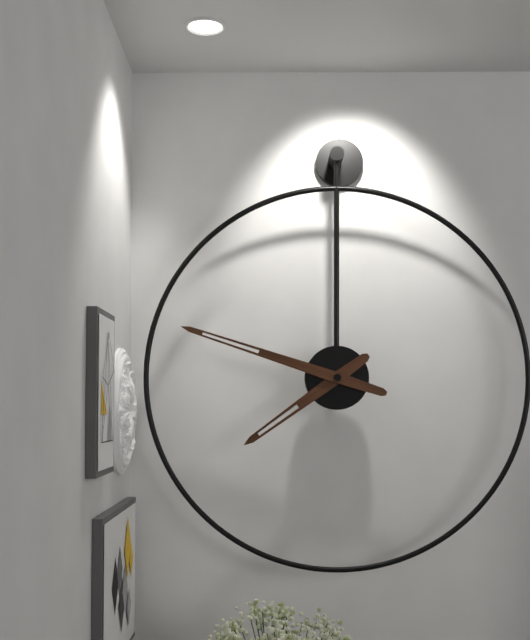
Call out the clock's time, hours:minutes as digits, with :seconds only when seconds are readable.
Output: 7:48
